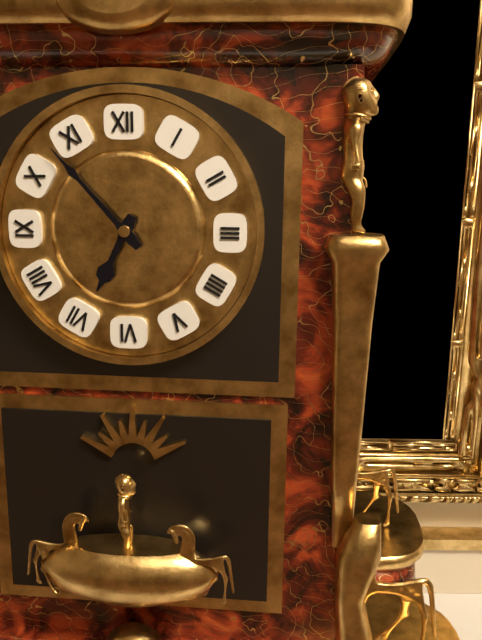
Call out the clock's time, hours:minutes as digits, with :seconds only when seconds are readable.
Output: 6:53
